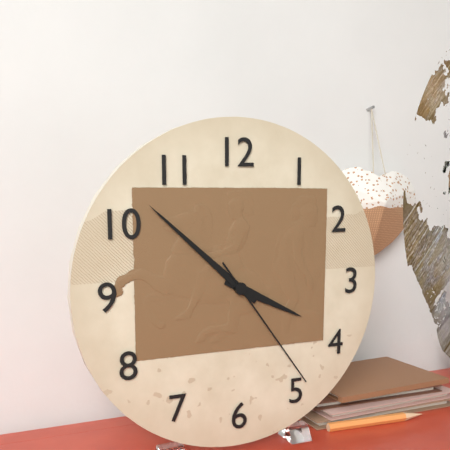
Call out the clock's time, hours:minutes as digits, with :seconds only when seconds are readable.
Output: 3:52:24
